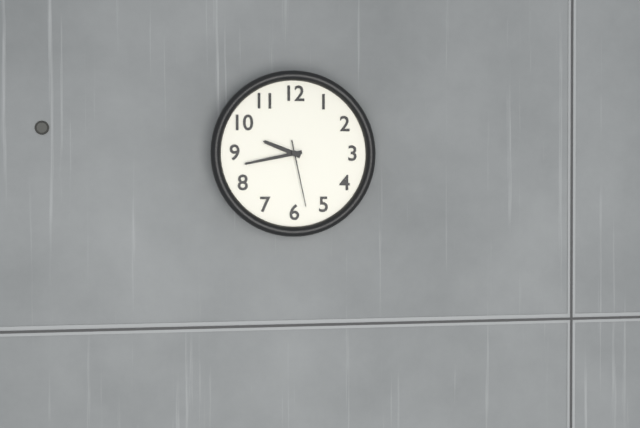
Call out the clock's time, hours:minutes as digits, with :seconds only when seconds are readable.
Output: 9:43:28
